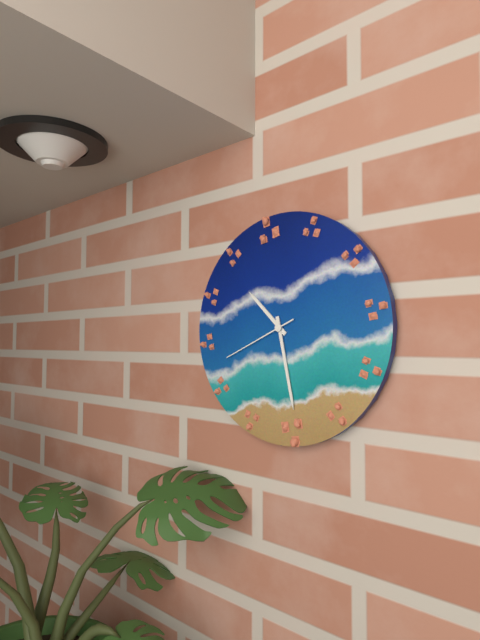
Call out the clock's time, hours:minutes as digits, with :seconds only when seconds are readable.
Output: 10:28:41
